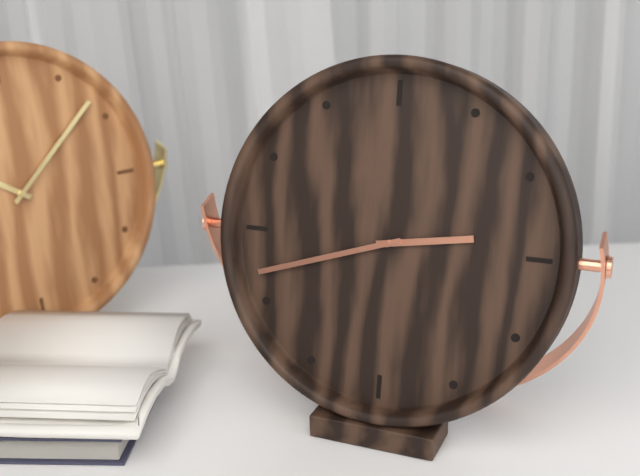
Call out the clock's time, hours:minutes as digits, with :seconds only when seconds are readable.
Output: 2:42
